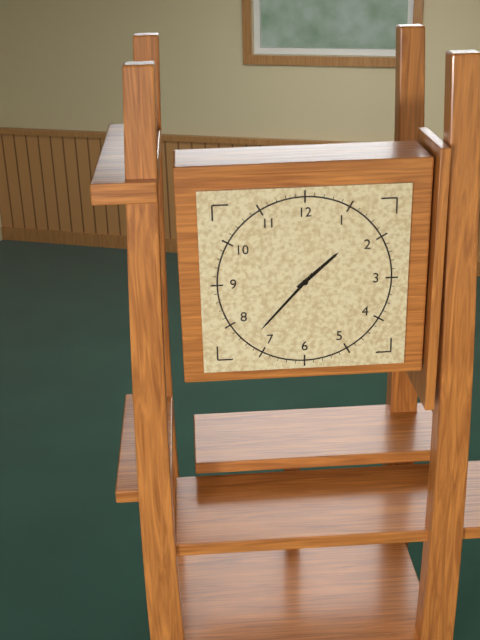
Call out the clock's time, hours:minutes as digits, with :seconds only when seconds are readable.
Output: 1:37
